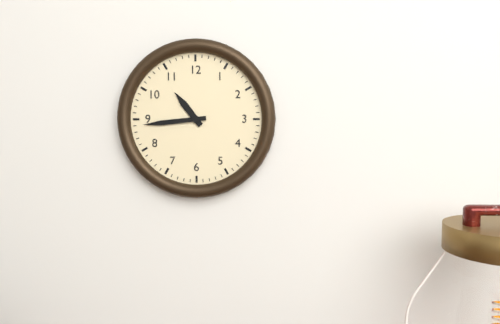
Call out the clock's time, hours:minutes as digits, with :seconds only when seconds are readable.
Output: 10:44
